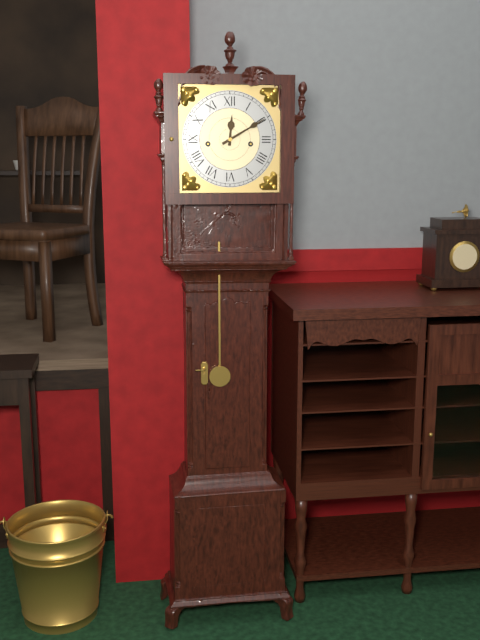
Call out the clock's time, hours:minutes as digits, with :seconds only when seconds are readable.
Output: 12:10
